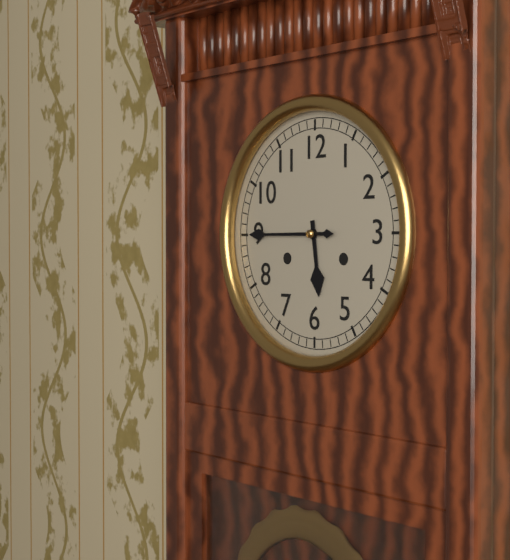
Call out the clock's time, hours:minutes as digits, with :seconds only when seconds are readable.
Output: 5:45
